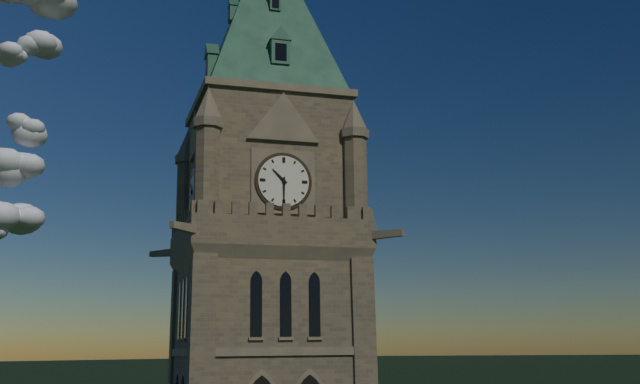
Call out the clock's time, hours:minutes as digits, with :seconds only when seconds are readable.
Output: 10:30
